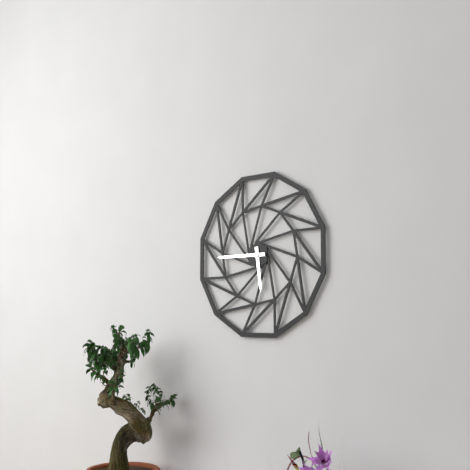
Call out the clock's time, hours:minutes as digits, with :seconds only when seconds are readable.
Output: 5:45
